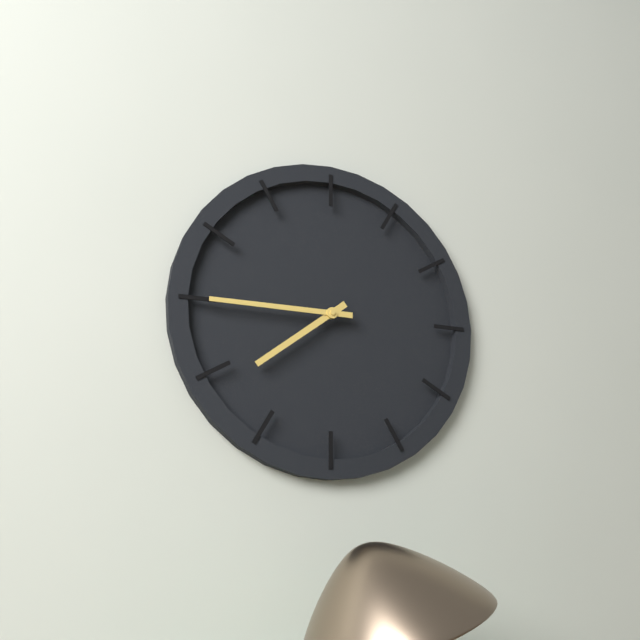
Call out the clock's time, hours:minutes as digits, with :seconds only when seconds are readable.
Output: 7:45
